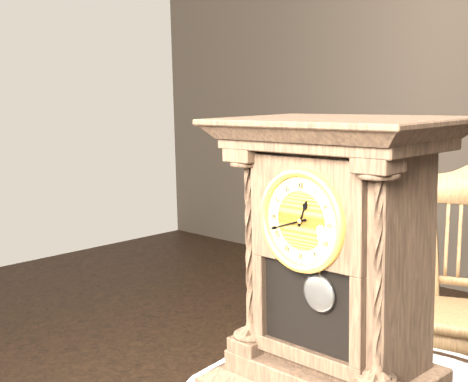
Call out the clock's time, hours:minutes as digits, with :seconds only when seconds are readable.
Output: 12:42
